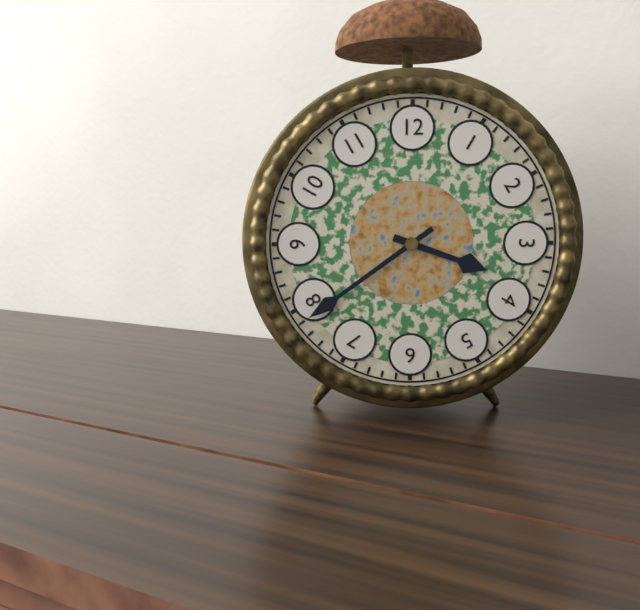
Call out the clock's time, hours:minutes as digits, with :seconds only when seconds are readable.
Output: 3:39
